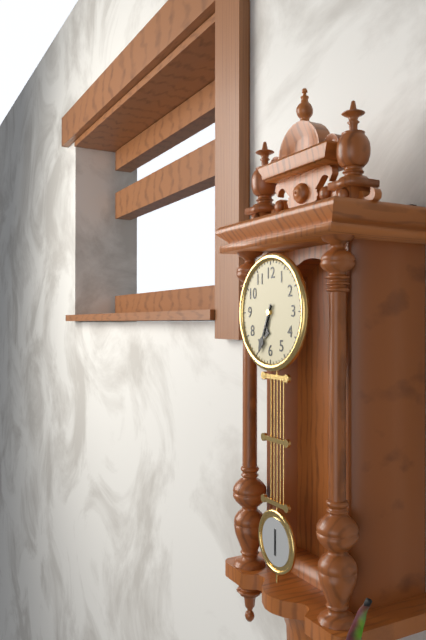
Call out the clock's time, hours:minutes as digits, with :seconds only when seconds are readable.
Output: 6:34
